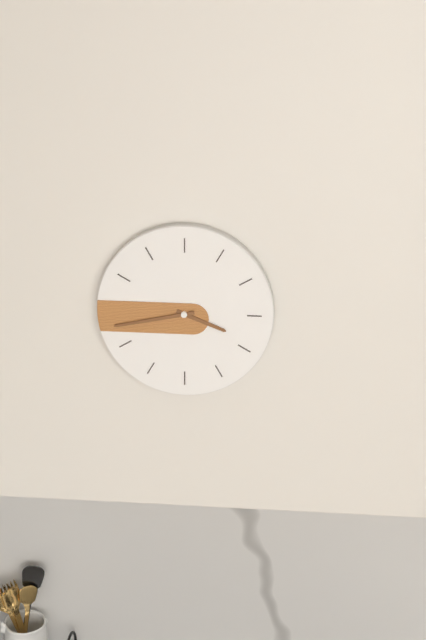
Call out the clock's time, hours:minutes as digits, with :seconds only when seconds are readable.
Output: 3:43
